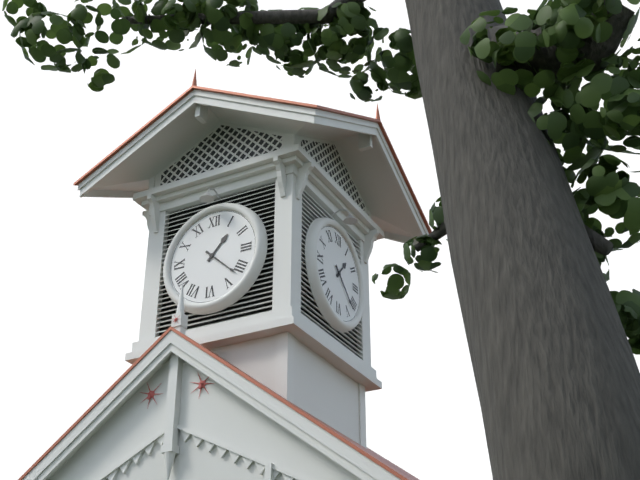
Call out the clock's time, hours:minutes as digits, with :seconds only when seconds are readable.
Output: 1:22
